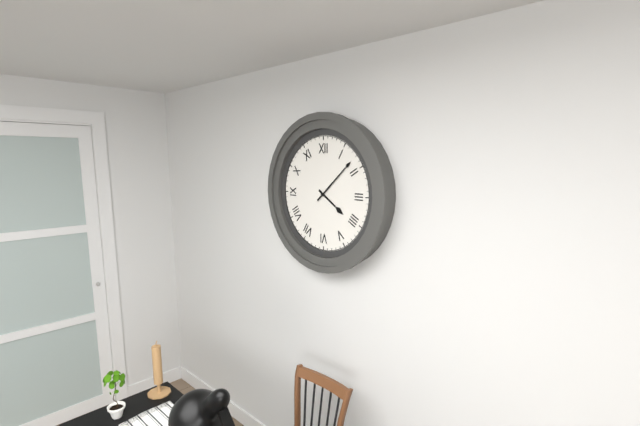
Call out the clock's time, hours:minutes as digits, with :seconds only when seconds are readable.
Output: 4:08
